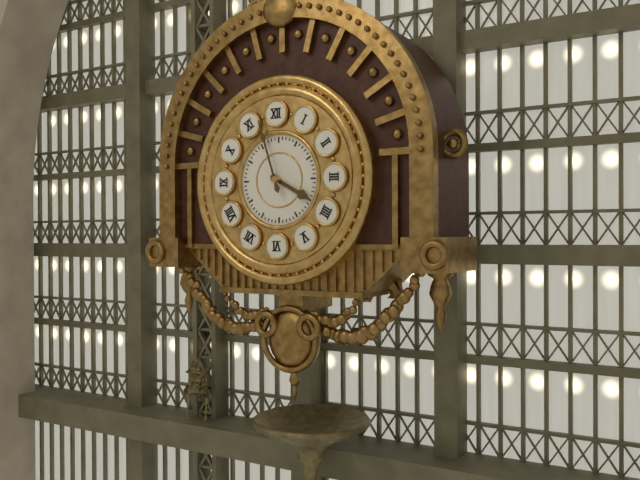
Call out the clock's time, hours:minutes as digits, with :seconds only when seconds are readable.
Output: 3:57
